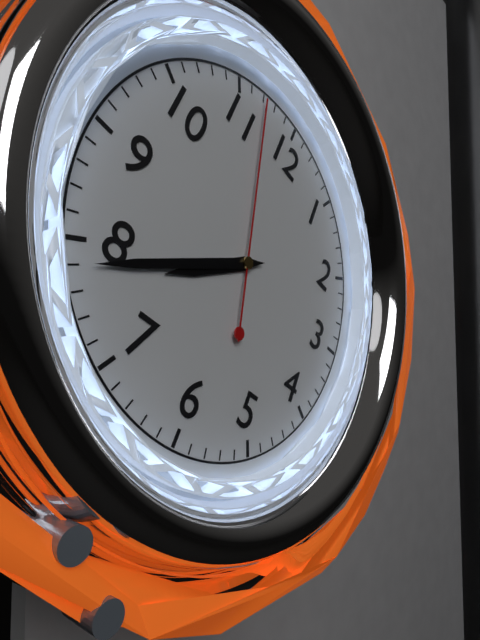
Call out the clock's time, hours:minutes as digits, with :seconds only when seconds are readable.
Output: 7:39:57
